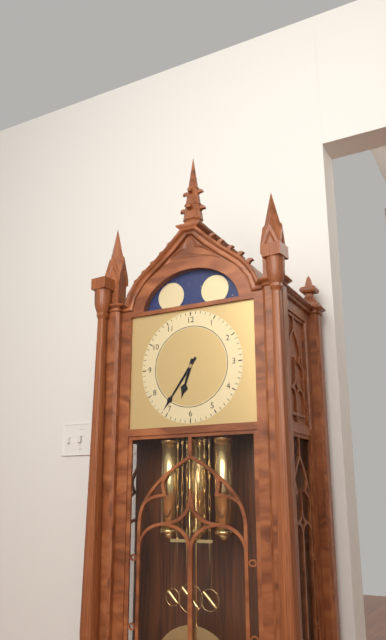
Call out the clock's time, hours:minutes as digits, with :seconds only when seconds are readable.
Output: 6:36
